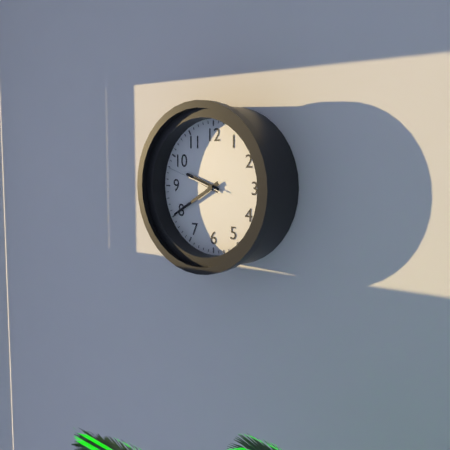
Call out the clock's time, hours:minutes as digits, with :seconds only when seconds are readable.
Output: 9:40:48
